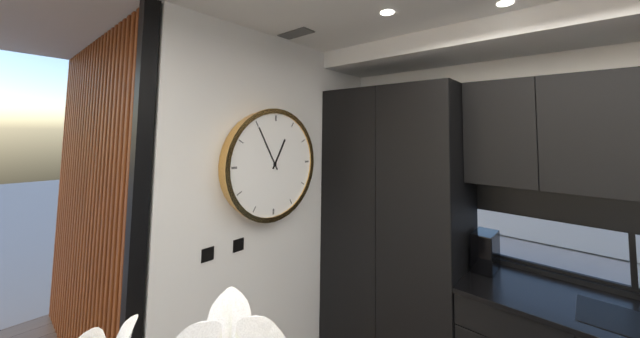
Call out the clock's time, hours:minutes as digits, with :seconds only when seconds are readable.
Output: 12:55
